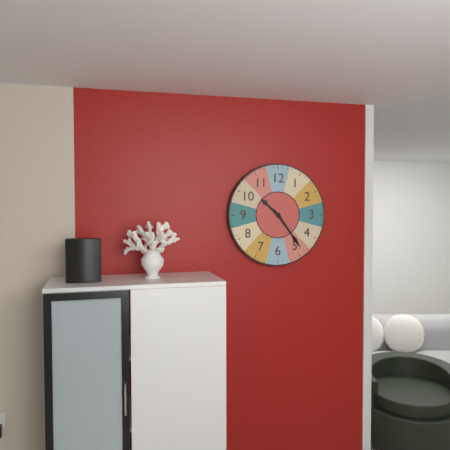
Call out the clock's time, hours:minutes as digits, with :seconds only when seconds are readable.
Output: 10:24
